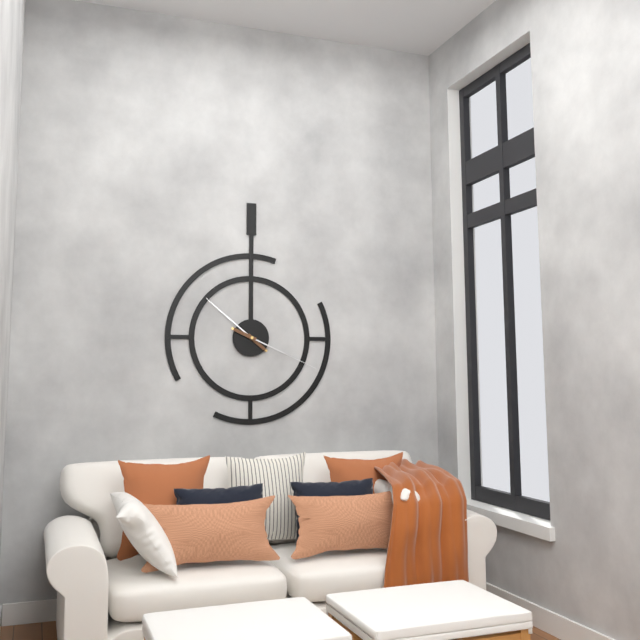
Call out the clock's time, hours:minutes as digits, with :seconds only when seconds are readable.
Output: 10:19
